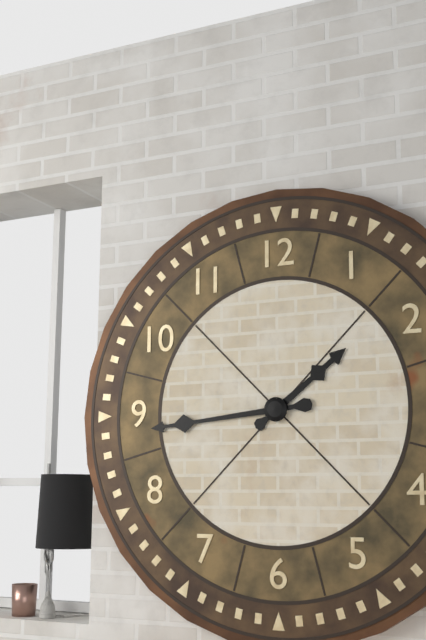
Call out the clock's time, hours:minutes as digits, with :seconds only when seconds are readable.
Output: 1:44
